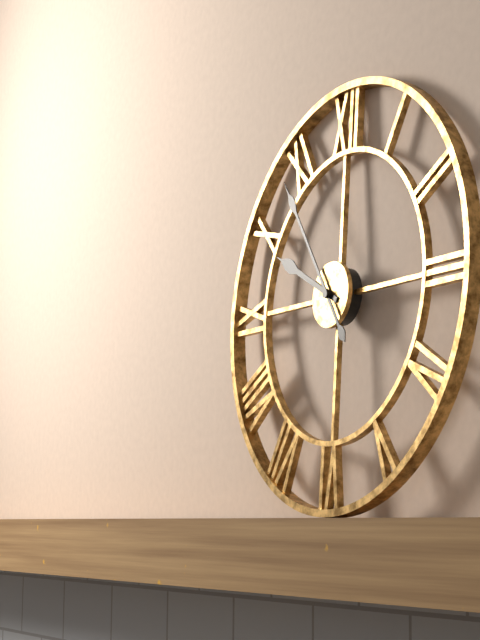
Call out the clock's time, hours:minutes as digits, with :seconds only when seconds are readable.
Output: 9:54
